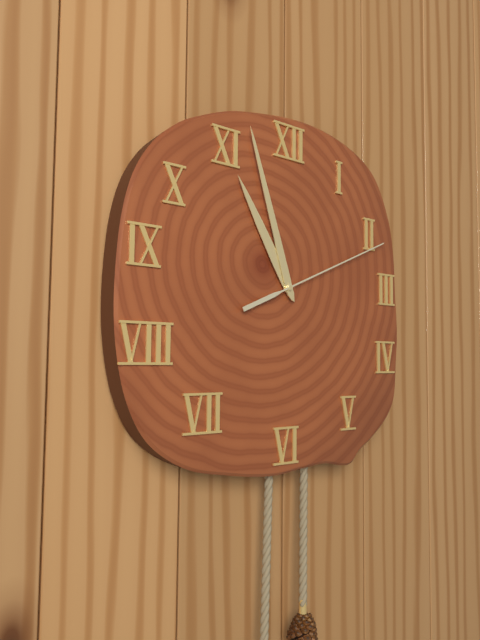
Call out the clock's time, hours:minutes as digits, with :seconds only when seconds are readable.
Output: 10:57:11
